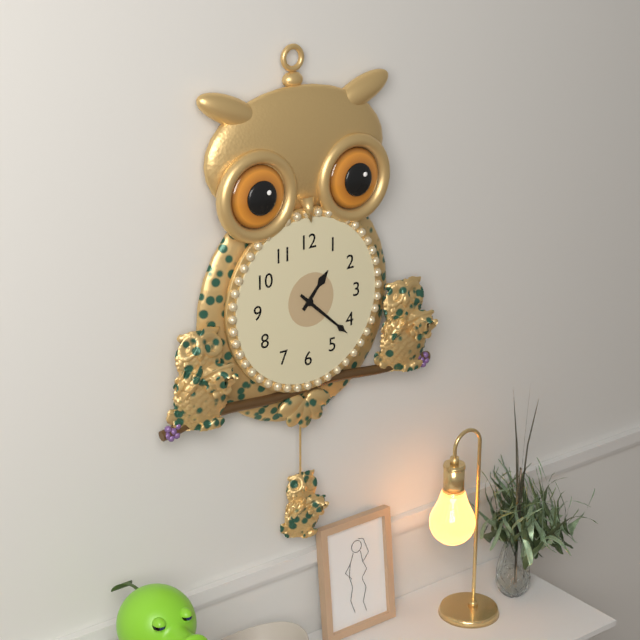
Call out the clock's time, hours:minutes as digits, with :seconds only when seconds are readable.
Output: 1:22
